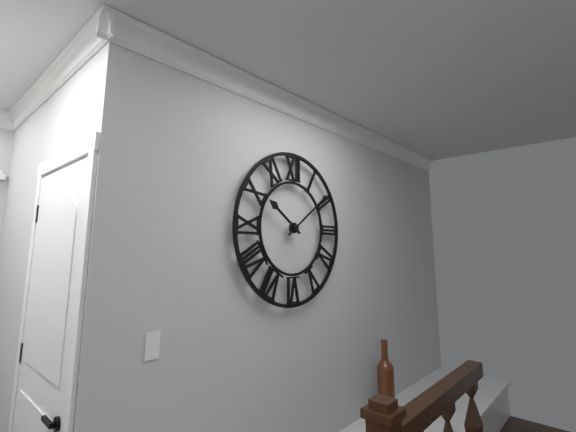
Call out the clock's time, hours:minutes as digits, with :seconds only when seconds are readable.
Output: 10:09
